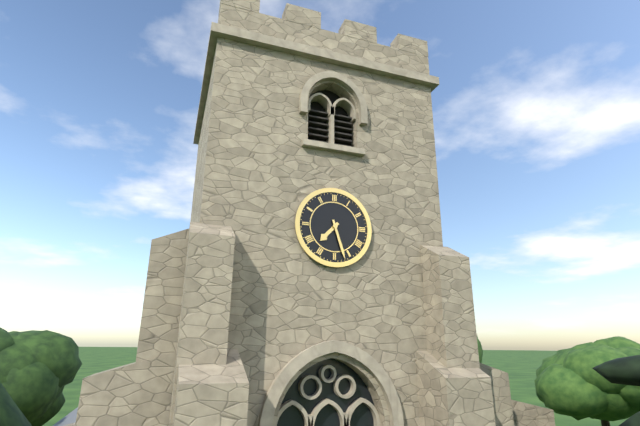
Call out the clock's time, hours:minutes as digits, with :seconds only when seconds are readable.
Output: 7:27
